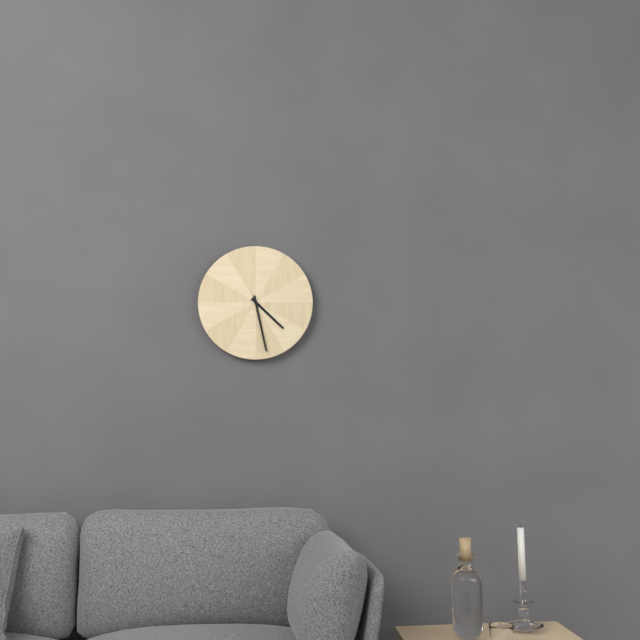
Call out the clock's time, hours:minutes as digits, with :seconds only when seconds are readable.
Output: 4:28
